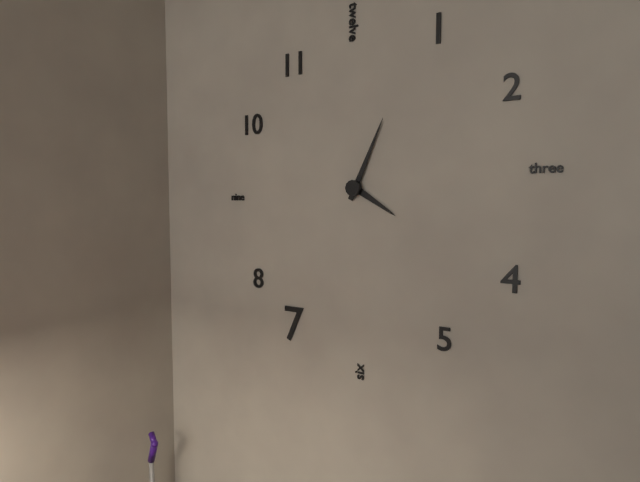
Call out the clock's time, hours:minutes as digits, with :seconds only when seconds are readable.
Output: 4:04
